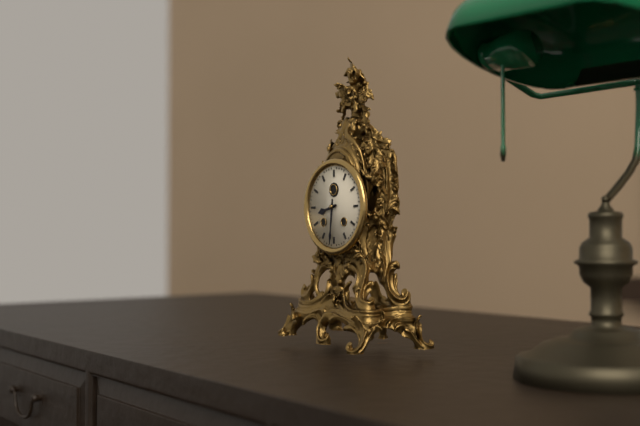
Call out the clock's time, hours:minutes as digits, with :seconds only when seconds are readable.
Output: 8:31
